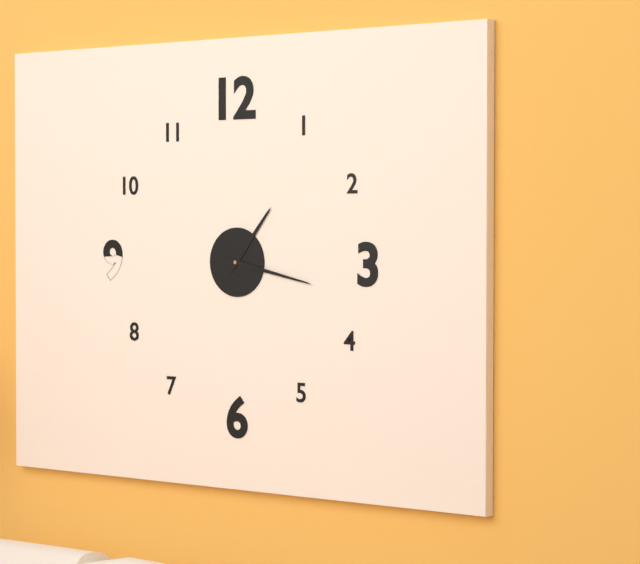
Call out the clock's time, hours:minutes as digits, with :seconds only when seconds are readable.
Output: 1:17
